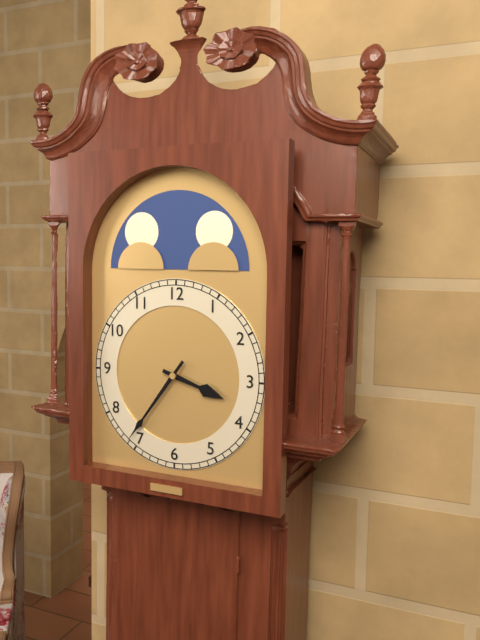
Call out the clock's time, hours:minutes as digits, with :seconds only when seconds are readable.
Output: 3:36
